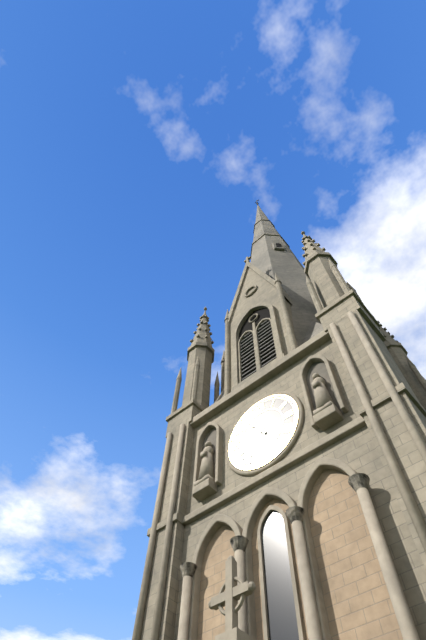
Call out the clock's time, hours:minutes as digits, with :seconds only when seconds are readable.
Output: 10:55
